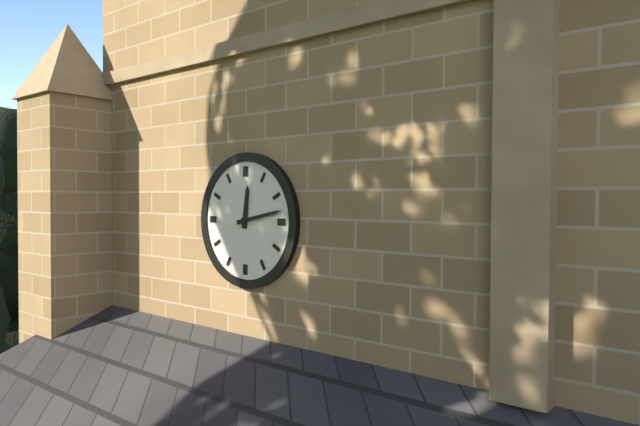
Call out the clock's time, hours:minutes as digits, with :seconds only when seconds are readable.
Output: 12:13
